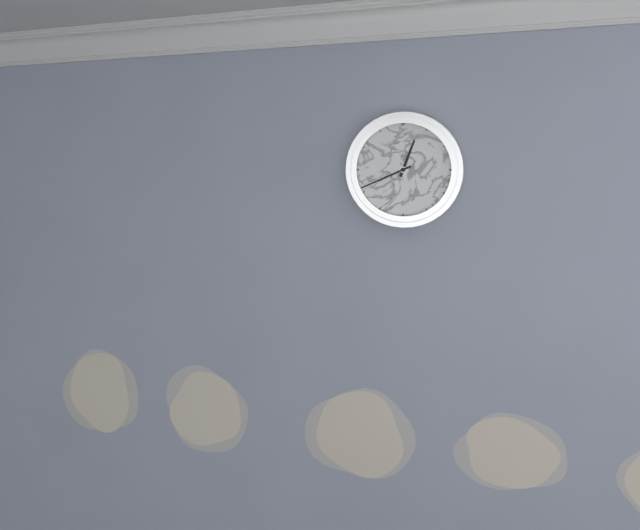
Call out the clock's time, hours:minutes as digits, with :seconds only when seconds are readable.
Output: 12:41
